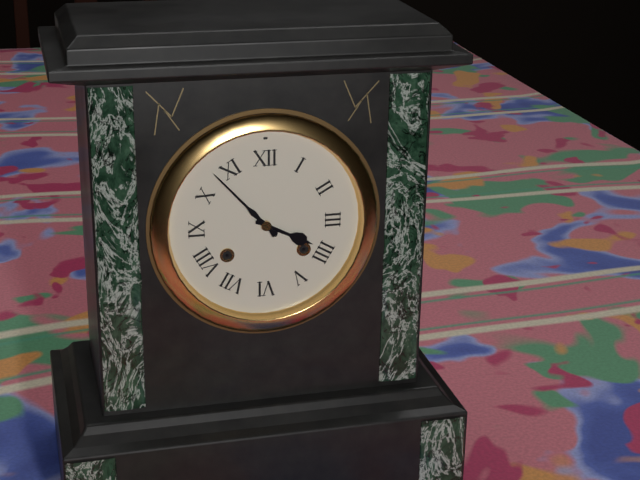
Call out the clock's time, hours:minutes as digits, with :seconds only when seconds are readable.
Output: 3:53
